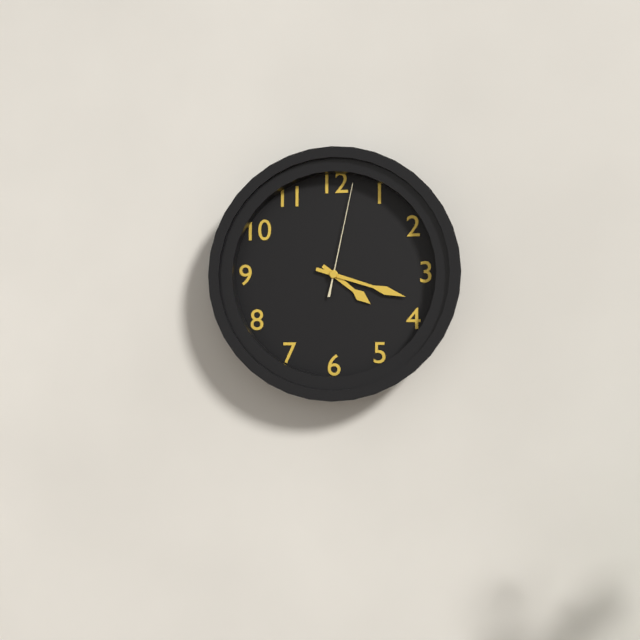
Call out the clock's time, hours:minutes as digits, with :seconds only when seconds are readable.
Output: 4:18:02
